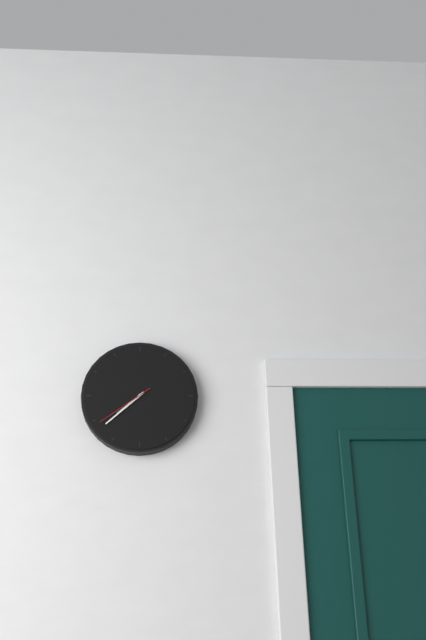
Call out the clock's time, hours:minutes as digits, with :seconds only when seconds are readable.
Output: 7:38:39
